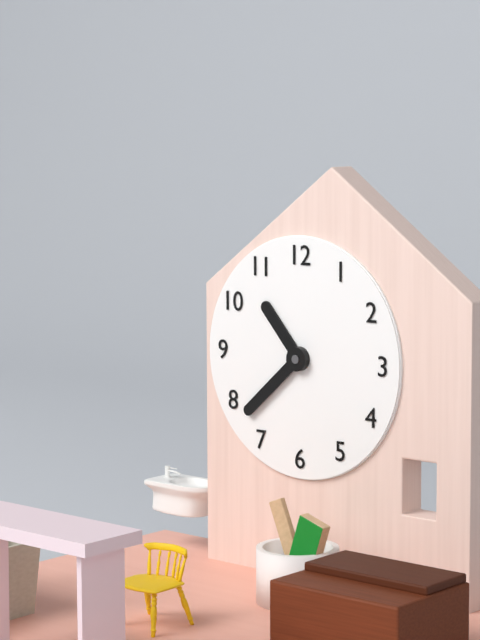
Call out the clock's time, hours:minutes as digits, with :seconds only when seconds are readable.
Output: 10:38
